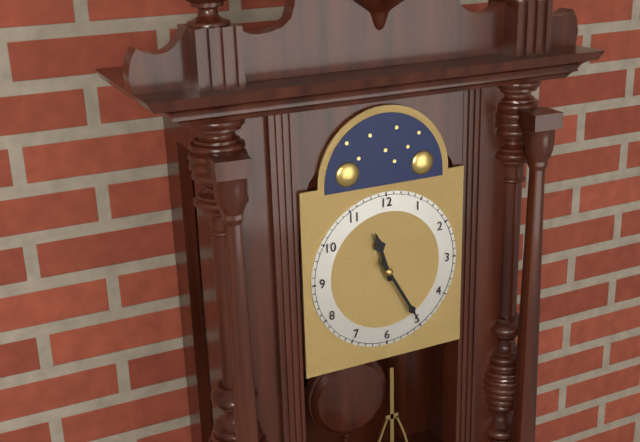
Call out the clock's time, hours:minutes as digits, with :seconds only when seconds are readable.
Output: 11:25
